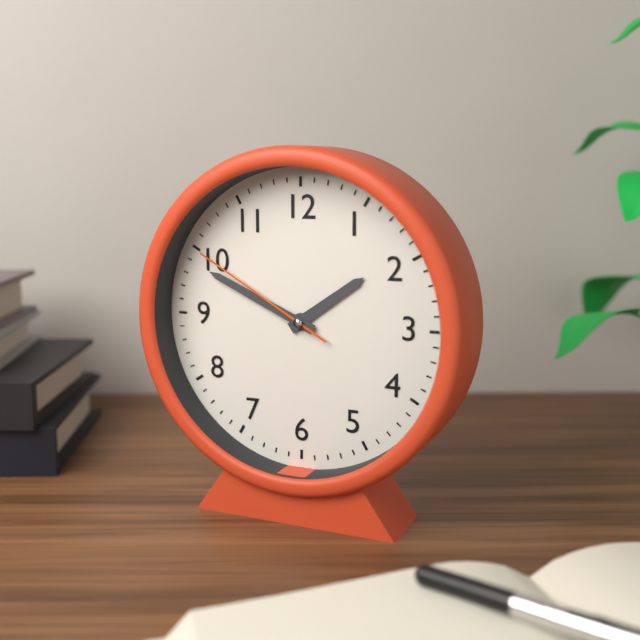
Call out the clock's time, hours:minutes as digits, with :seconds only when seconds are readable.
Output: 1:49:50
